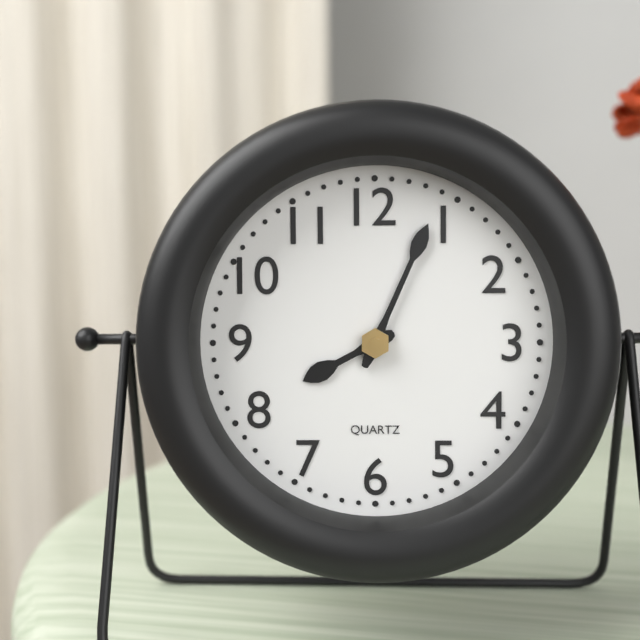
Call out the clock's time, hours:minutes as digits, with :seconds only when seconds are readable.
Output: 8:04
